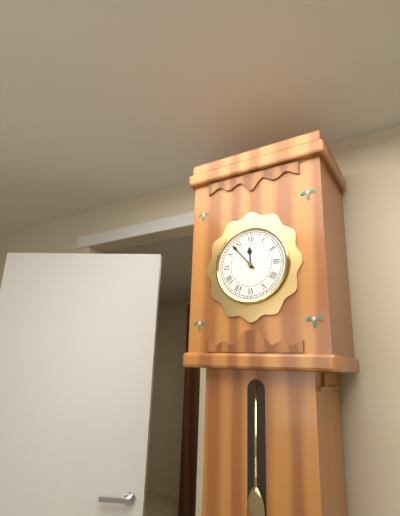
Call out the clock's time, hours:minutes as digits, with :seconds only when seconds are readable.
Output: 11:53
